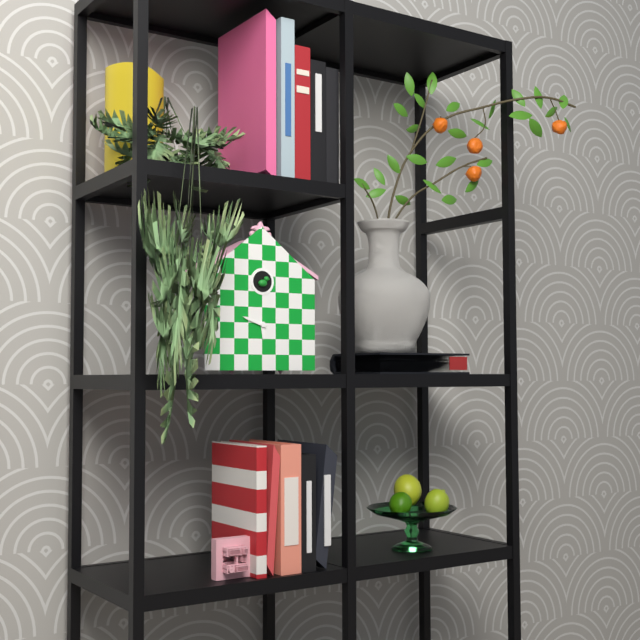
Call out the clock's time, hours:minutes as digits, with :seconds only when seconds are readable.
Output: 5:48
